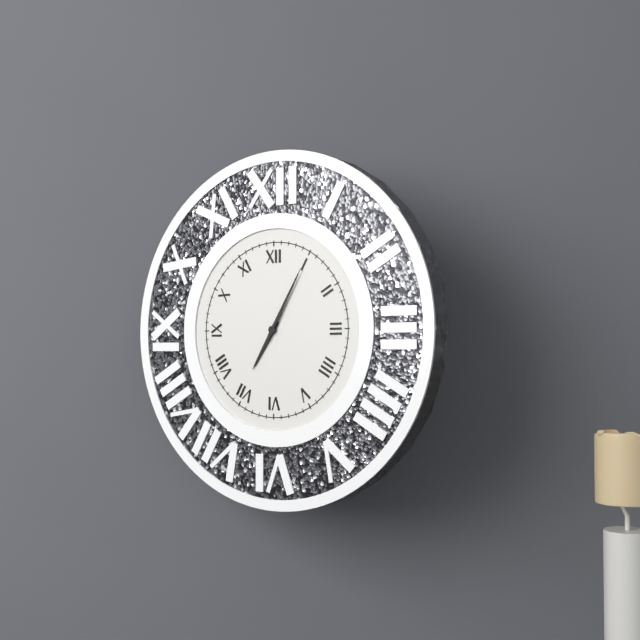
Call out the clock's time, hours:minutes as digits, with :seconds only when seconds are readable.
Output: 7:05
